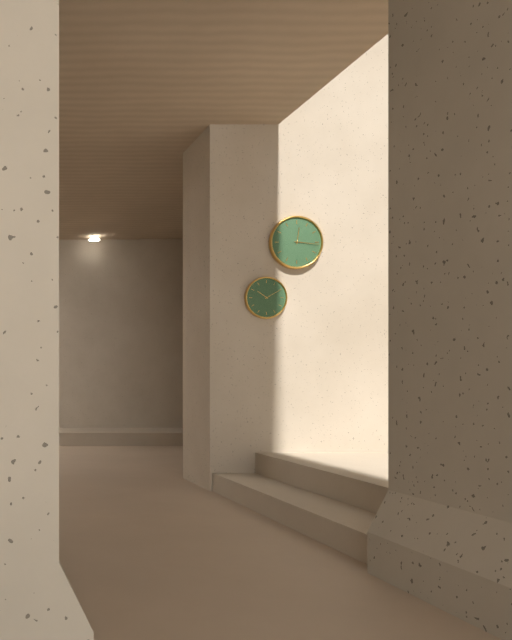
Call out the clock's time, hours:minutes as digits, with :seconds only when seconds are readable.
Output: 12:16
